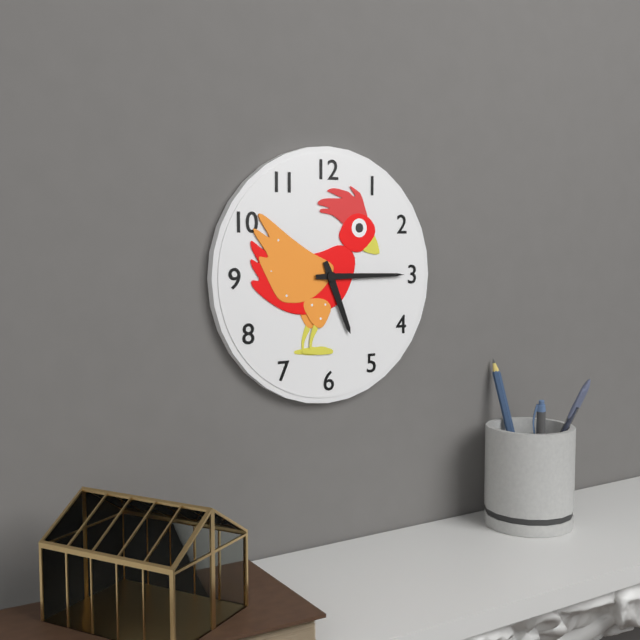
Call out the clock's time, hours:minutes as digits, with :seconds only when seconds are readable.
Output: 5:15
